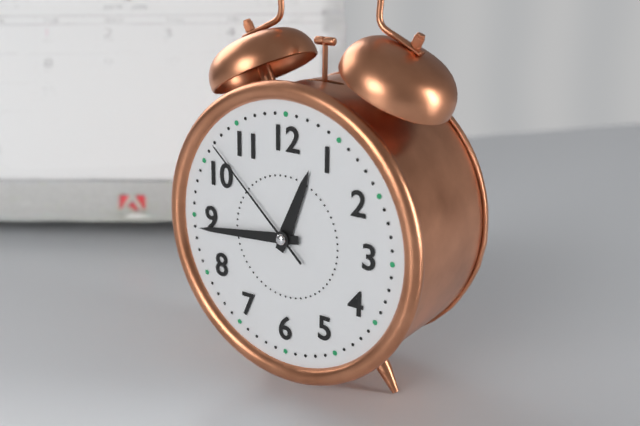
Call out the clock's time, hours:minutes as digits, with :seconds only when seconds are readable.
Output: 12:44:52
